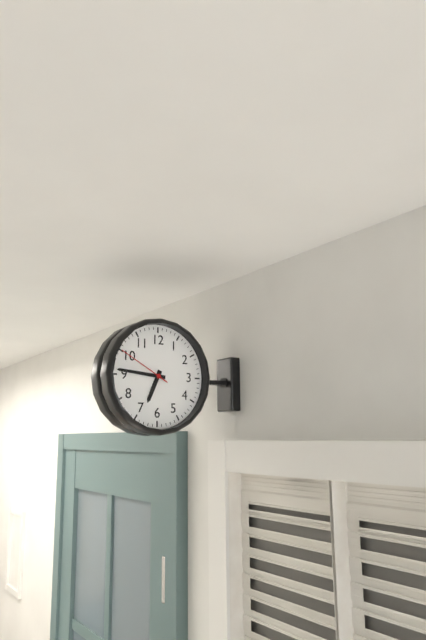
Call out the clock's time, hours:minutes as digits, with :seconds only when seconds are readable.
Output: 6:46:50
